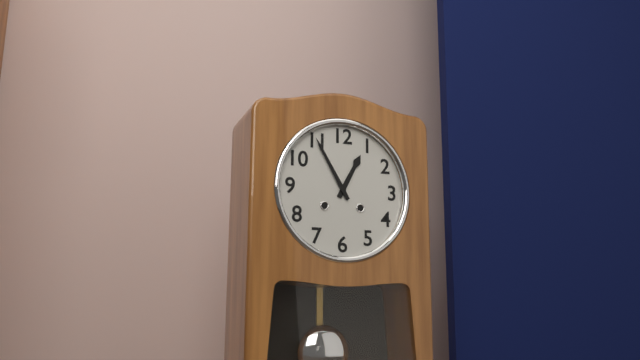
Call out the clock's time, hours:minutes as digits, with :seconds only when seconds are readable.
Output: 12:55
